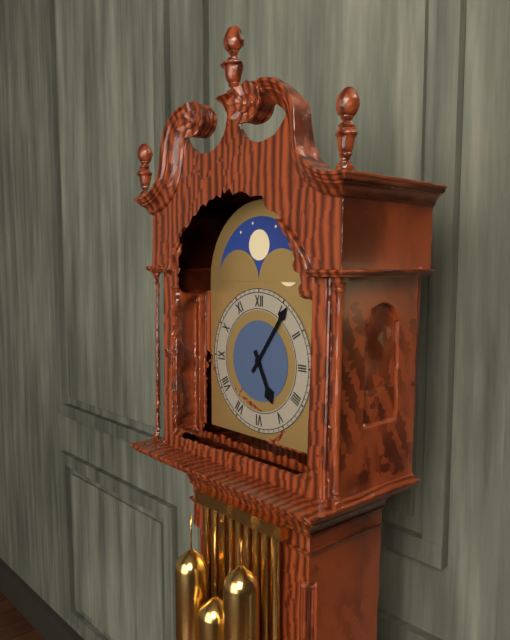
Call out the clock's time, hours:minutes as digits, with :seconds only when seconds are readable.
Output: 5:06
